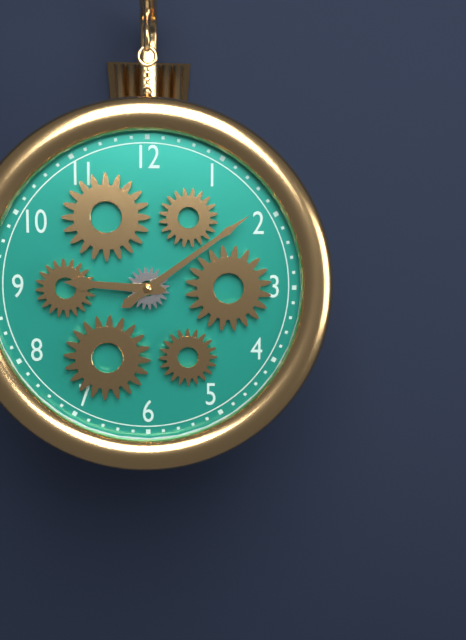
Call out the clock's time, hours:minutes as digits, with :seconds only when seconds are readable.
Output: 9:09
